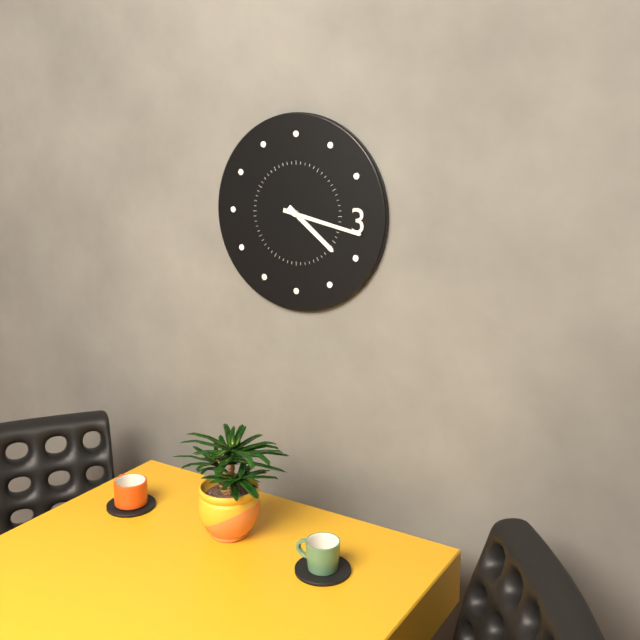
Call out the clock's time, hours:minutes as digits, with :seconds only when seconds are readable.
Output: 4:17
